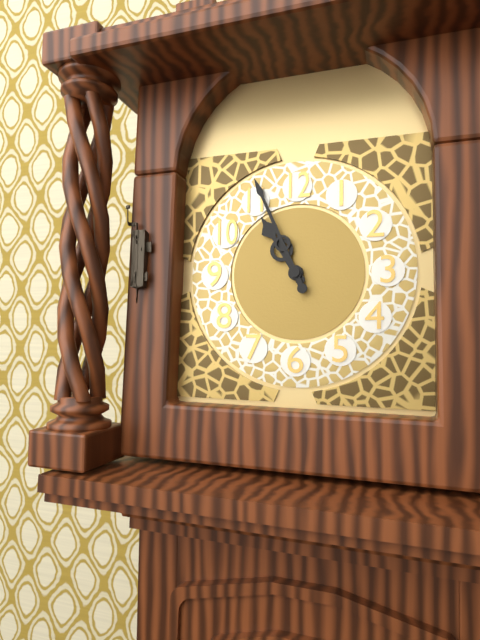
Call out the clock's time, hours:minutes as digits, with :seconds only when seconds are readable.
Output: 10:56
